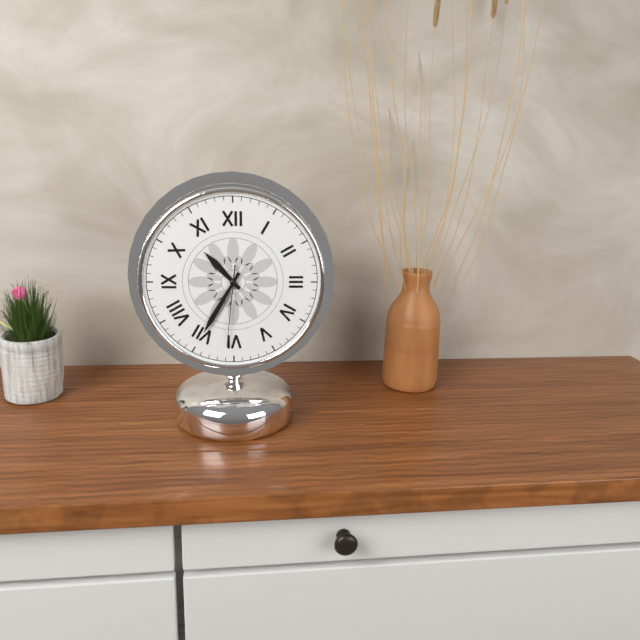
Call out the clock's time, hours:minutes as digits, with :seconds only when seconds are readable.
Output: 10:35:31
